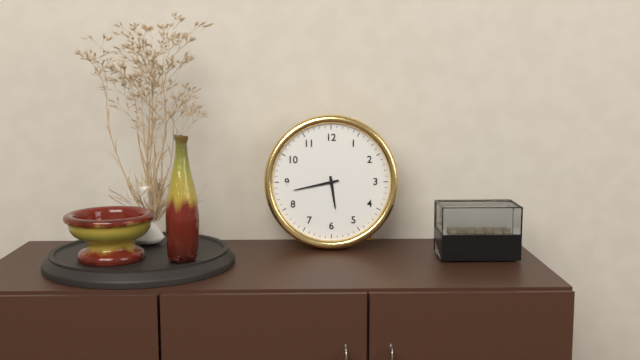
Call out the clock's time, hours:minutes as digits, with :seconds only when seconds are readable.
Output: 5:43
